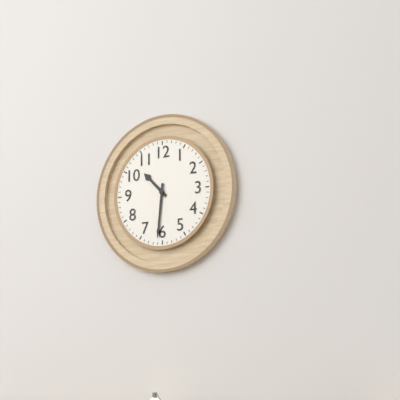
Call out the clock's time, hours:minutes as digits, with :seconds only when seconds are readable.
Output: 10:31
